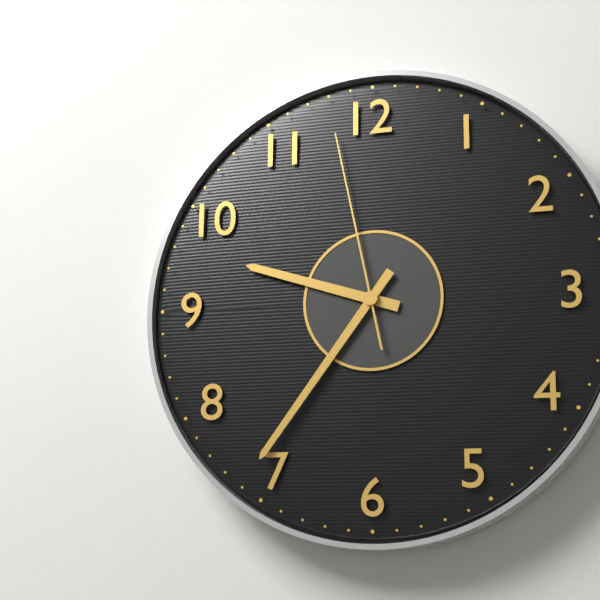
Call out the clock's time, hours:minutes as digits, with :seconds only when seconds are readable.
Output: 9:36:58
